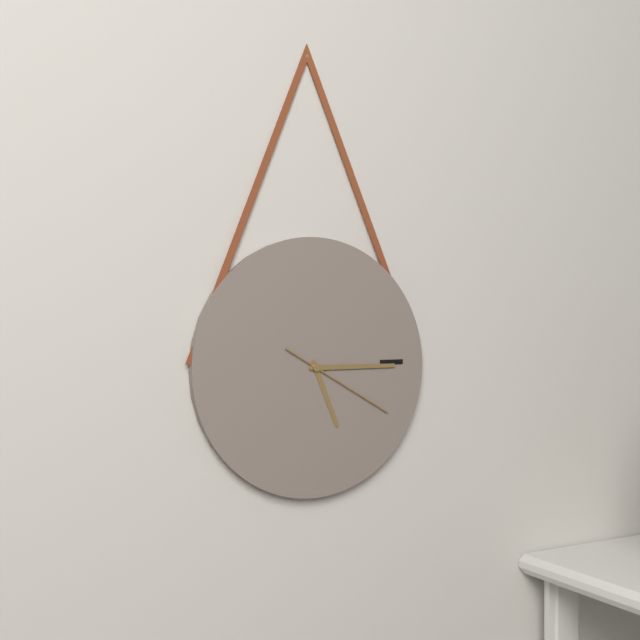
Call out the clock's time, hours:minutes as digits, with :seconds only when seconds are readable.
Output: 5:15:20
